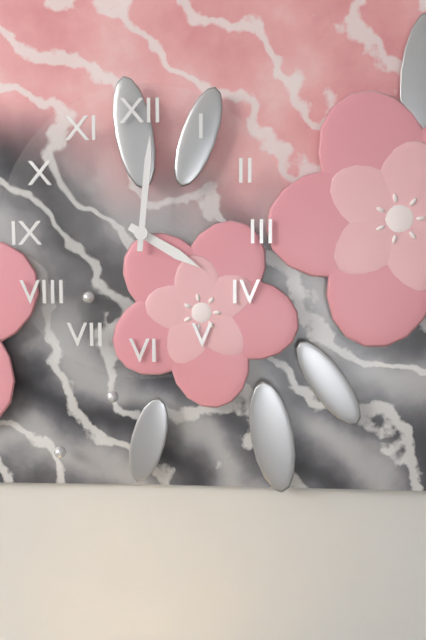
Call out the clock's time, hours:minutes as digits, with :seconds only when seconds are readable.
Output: 4:01
